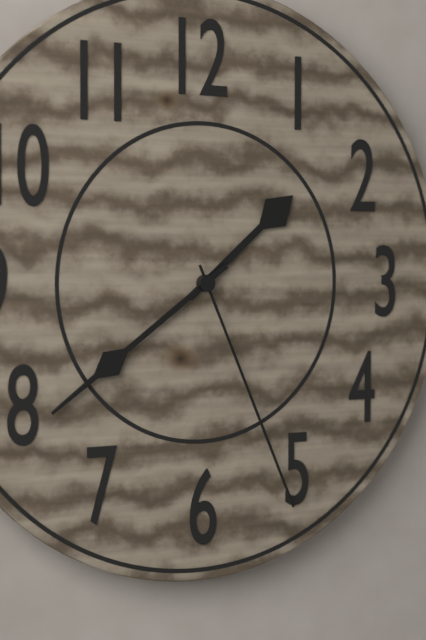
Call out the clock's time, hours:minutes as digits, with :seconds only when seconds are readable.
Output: 1:39:26
